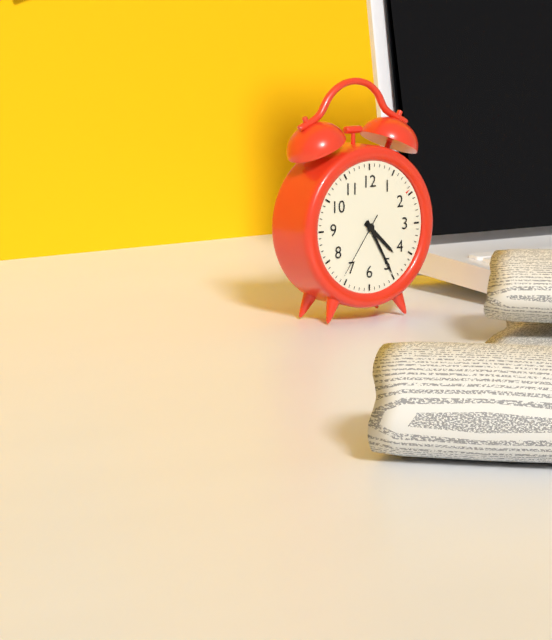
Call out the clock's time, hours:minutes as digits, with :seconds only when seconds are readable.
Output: 4:25:36
